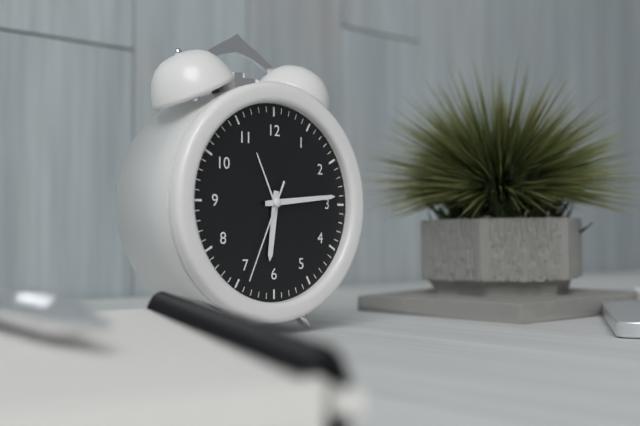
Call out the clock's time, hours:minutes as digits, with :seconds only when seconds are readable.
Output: 6:14:34
